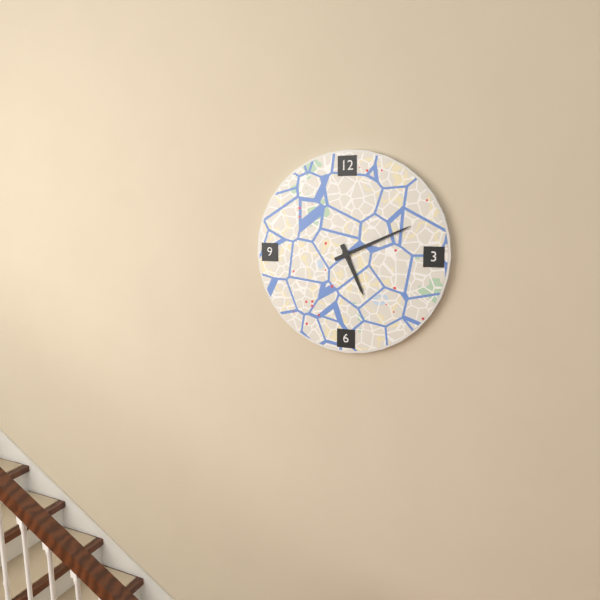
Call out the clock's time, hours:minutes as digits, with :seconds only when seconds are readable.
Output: 5:11
